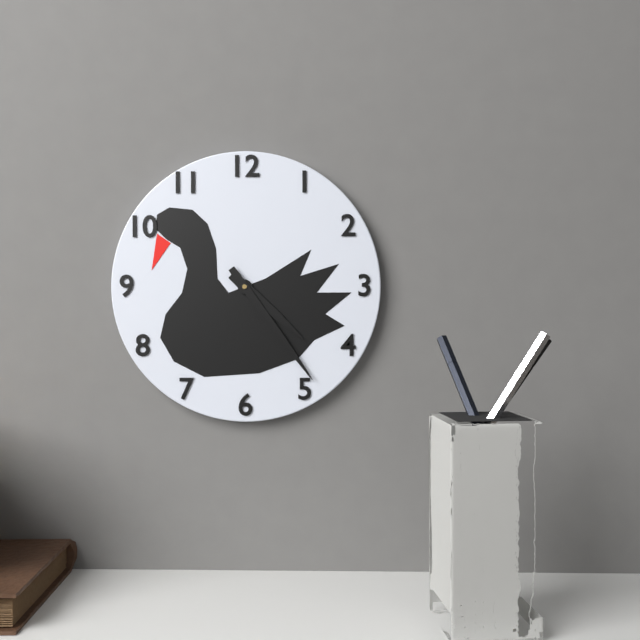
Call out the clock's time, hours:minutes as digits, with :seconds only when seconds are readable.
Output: 4:24
